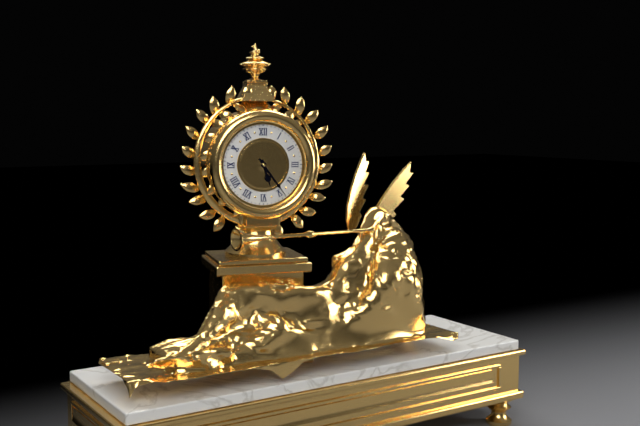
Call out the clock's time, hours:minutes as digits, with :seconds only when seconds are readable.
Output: 5:24
